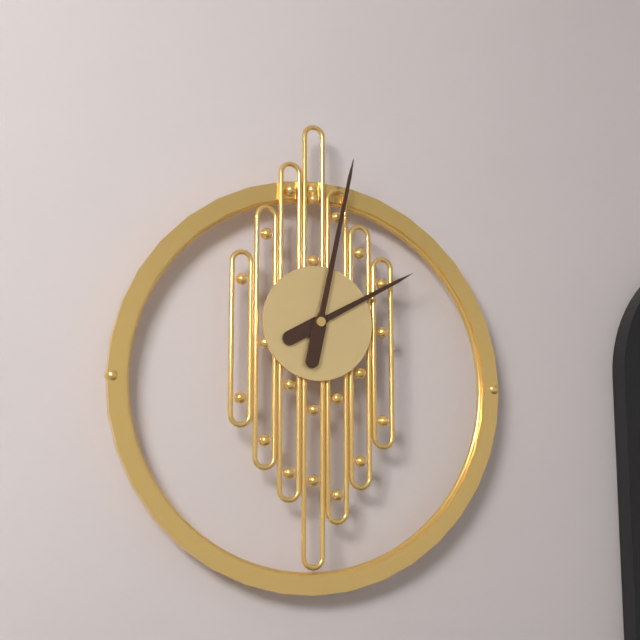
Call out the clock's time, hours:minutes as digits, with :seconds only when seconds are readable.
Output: 2:02
